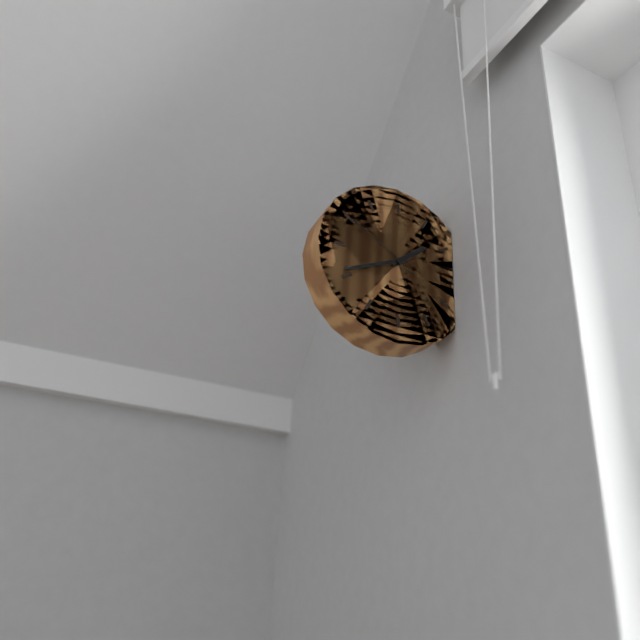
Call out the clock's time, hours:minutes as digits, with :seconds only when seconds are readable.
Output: 1:41:50
